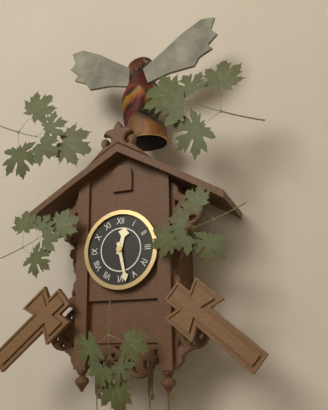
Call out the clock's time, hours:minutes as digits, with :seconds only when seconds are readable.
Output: 12:28
